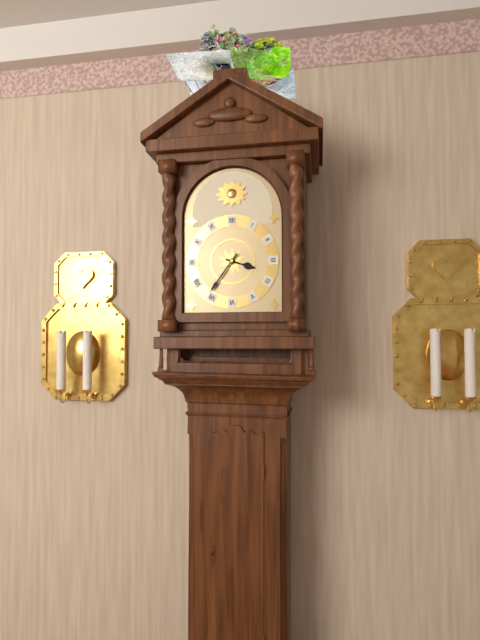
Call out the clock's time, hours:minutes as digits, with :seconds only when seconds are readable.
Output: 3:36
